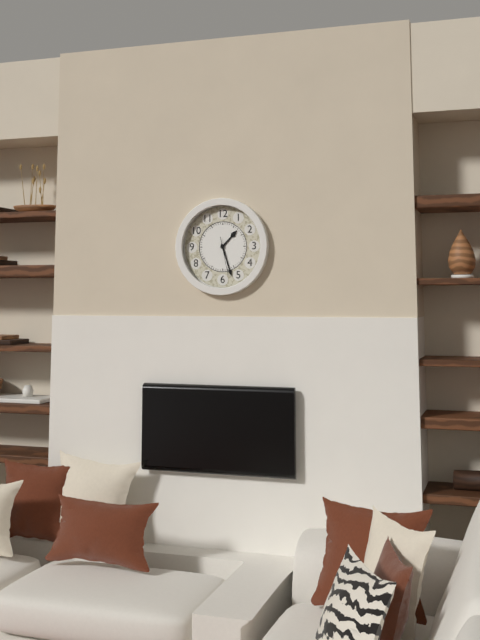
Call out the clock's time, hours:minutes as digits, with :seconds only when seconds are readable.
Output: 1:27
